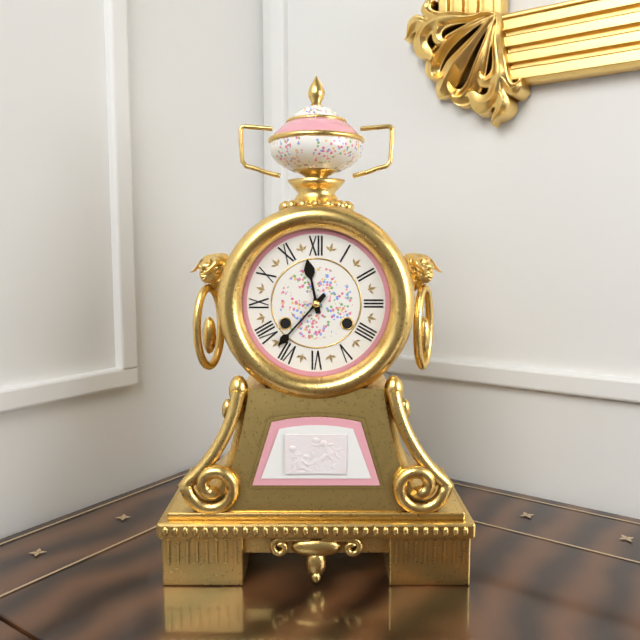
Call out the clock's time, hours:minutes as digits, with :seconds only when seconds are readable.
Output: 11:37
